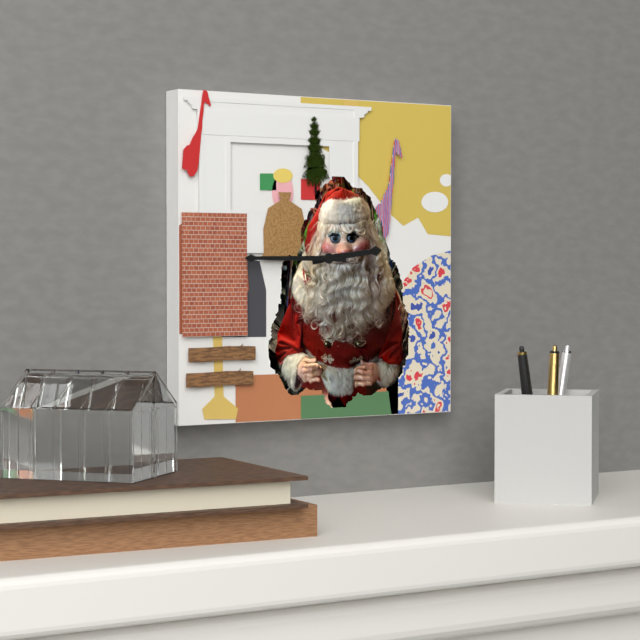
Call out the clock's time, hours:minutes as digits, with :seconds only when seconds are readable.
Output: 2:45
